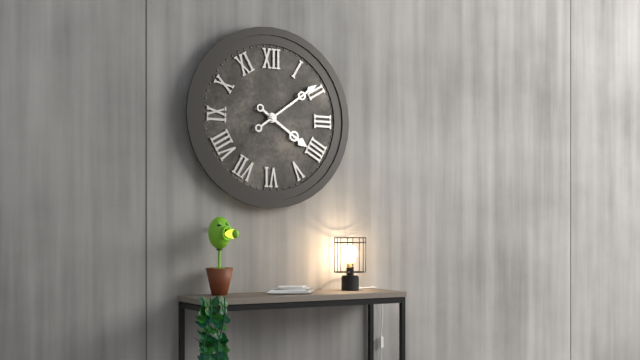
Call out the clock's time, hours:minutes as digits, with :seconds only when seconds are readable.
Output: 4:09
